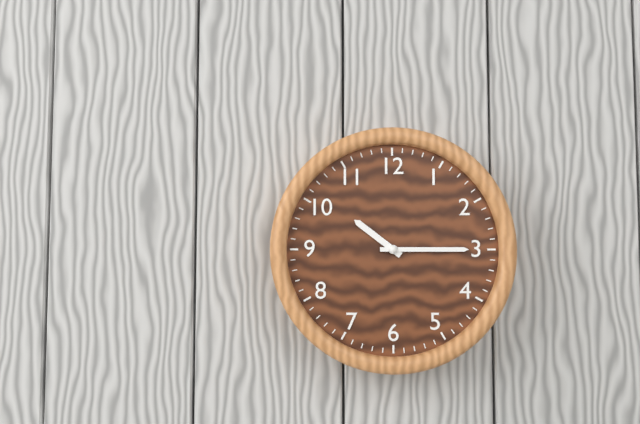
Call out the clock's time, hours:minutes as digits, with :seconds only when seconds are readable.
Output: 10:15
